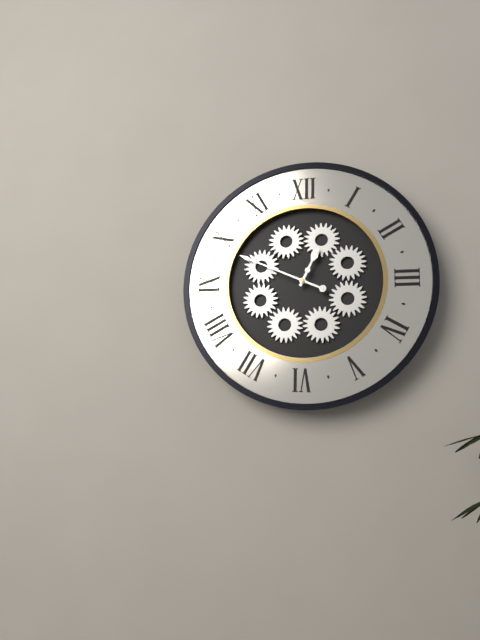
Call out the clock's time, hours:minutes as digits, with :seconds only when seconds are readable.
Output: 12:49
